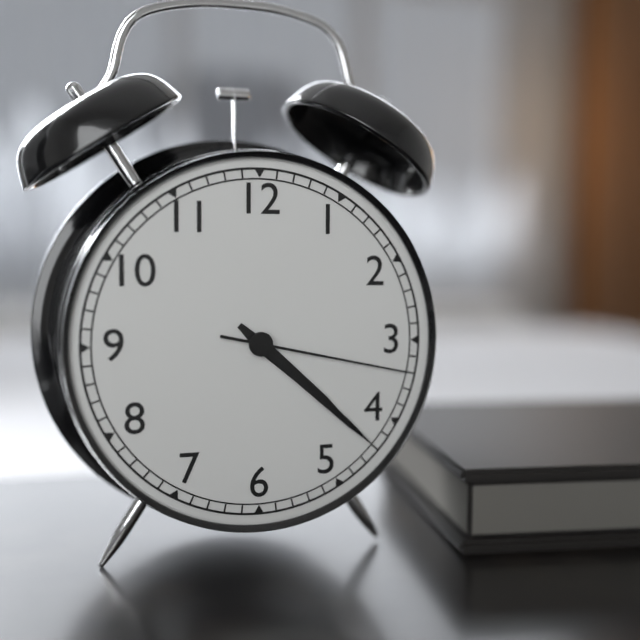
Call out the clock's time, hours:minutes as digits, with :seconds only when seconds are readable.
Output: 4:22:17
